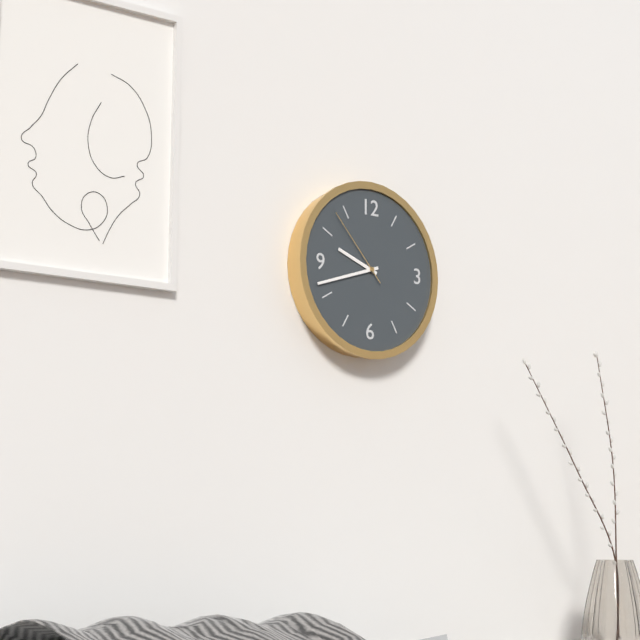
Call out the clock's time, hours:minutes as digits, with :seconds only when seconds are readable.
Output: 9:42:53
